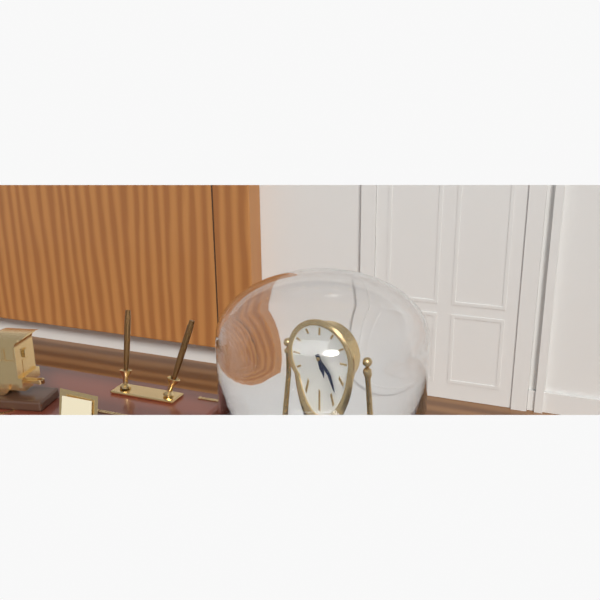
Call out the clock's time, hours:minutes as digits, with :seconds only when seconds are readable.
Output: 5:23
